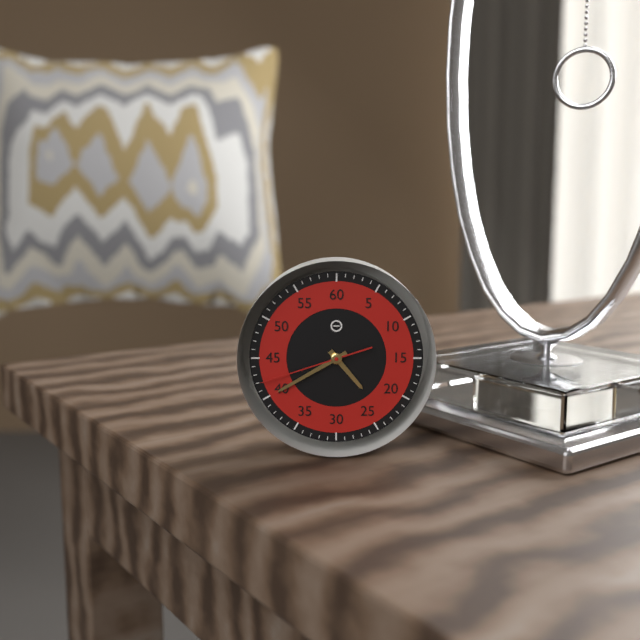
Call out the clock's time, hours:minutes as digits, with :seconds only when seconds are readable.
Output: 4:40:42
